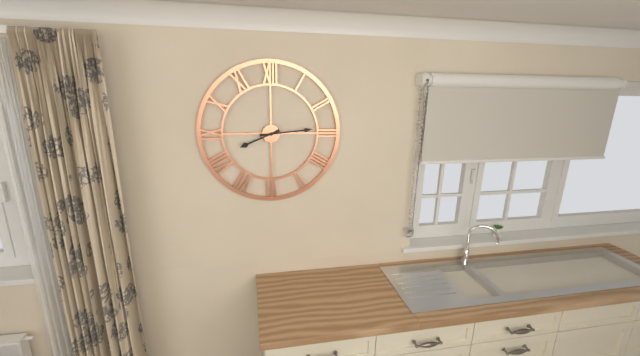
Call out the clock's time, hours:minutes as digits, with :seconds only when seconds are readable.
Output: 8:14
